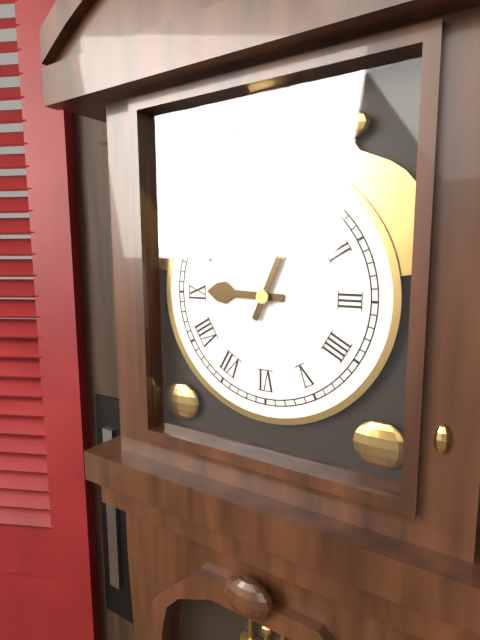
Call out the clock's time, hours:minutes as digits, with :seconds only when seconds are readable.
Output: 9:04
